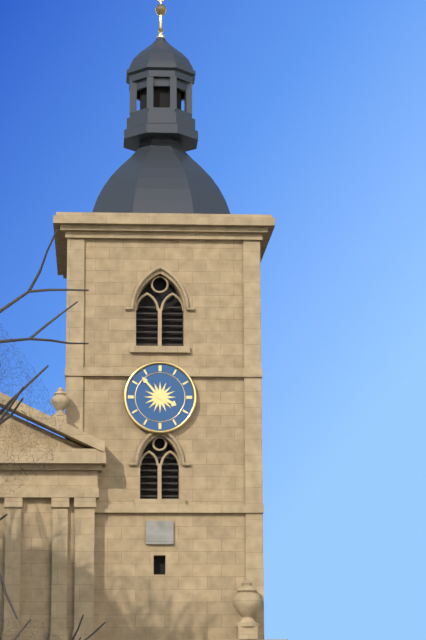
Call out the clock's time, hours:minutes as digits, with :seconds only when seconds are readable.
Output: 3:53
